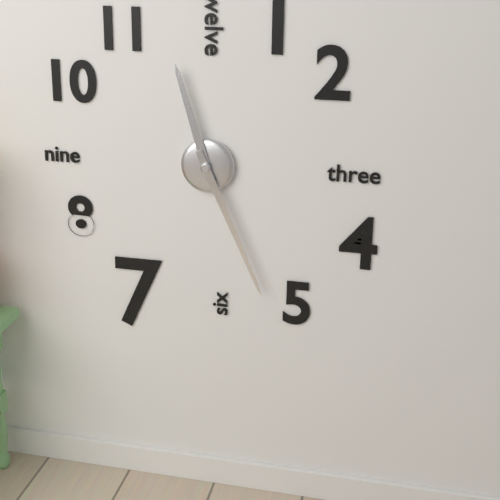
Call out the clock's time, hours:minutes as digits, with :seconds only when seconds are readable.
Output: 11:26
